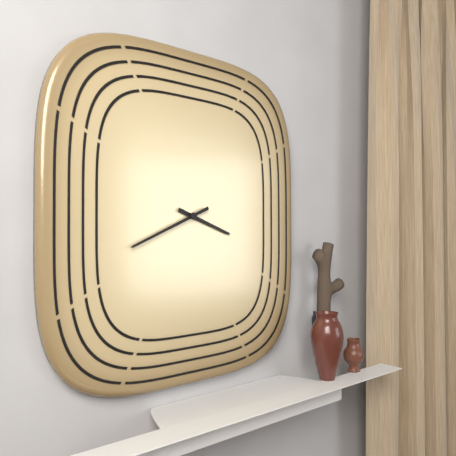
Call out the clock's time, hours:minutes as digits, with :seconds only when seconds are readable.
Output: 3:41
